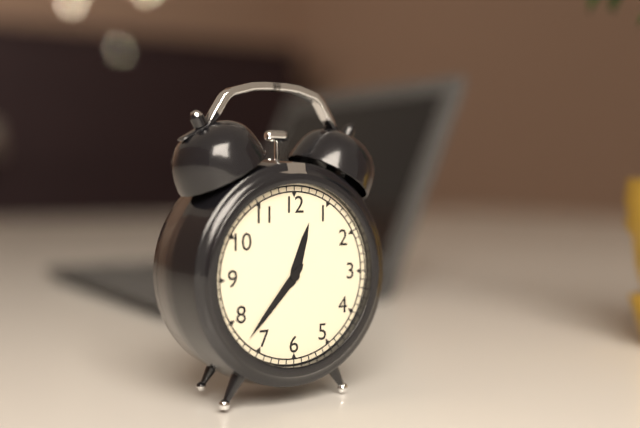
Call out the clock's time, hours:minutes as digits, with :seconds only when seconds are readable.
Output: 12:37
